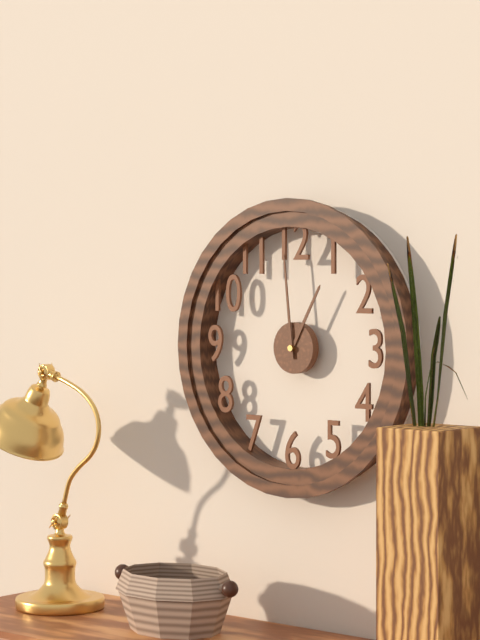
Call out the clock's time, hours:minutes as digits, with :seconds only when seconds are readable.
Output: 12:59
